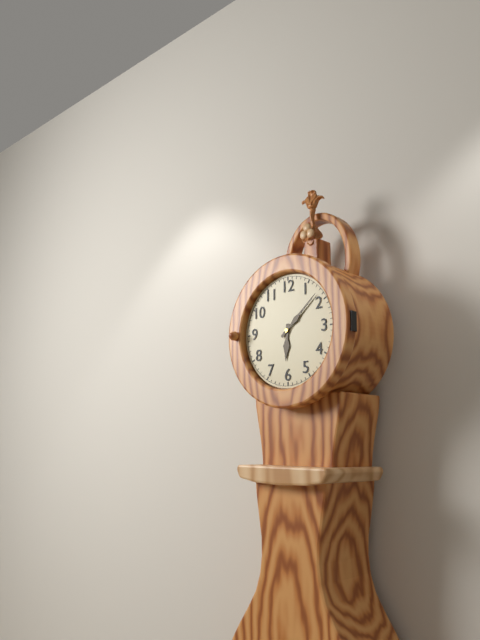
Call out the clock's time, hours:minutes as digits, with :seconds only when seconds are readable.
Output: 6:08
